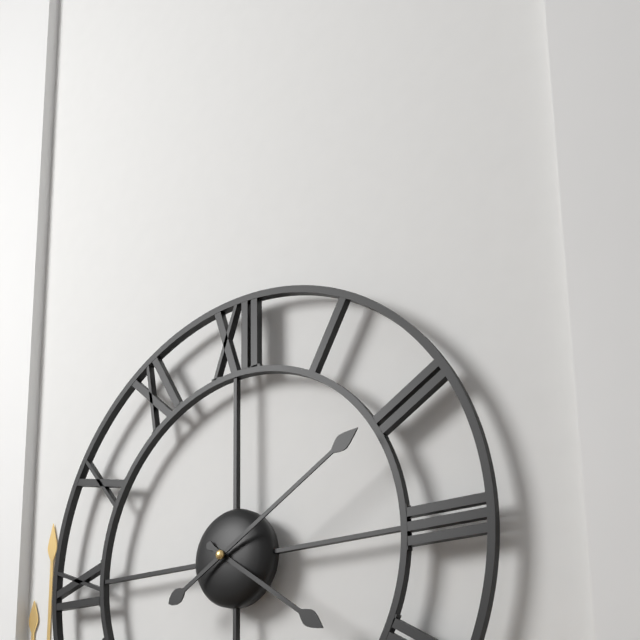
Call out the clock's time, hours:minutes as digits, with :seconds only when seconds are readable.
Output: 4:10
